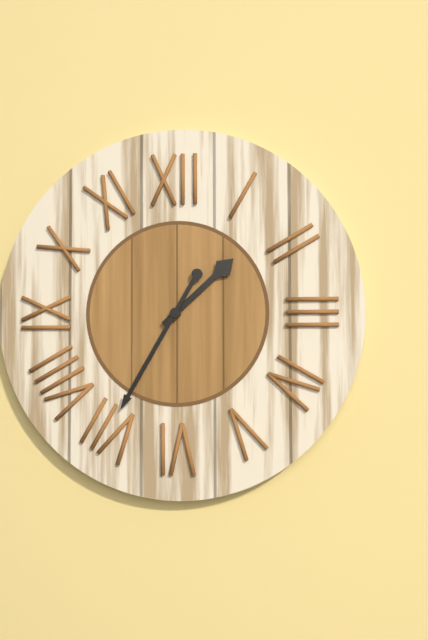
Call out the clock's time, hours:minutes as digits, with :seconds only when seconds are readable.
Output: 1:35
